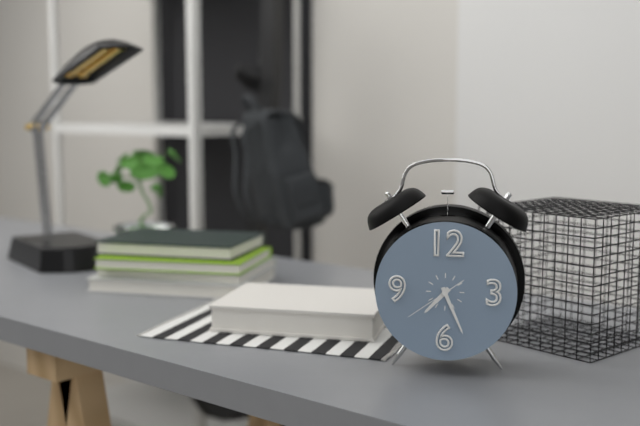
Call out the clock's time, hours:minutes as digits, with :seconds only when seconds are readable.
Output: 7:26:39
